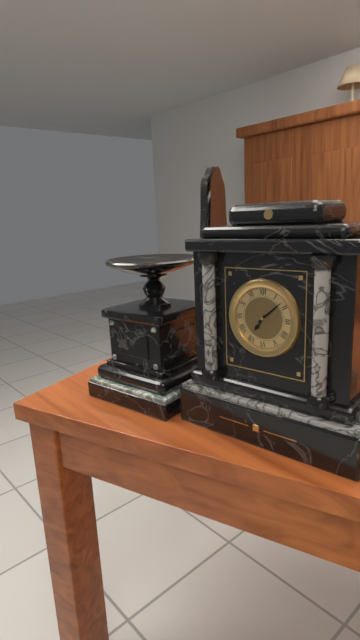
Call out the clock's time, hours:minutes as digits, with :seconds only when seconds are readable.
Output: 7:08
